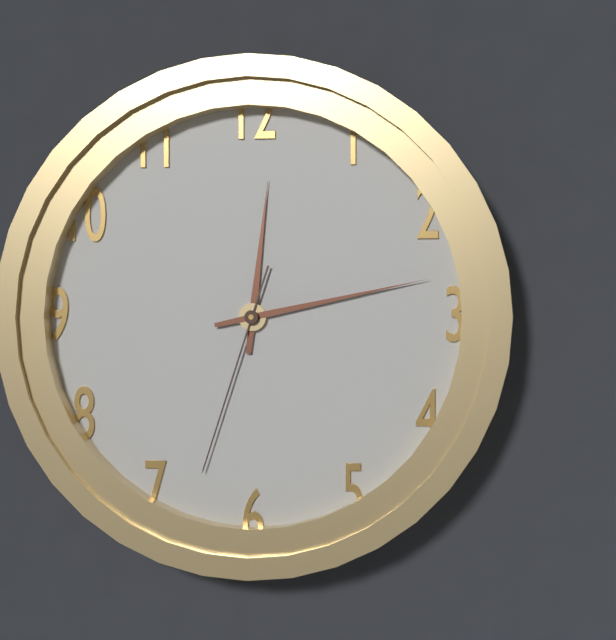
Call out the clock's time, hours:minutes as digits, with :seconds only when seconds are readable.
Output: 12:13:33
